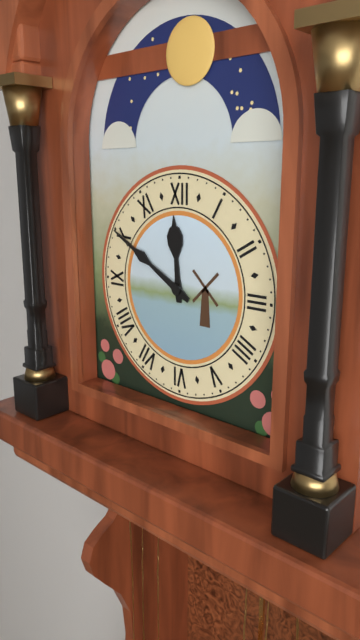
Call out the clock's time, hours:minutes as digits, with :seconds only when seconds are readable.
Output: 11:50
